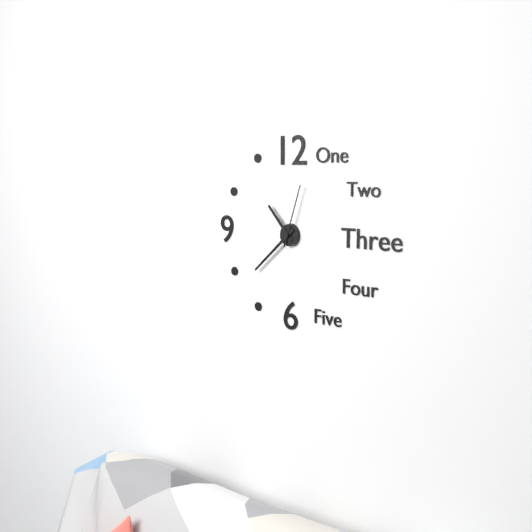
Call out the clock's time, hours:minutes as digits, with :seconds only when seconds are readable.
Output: 10:38:03
